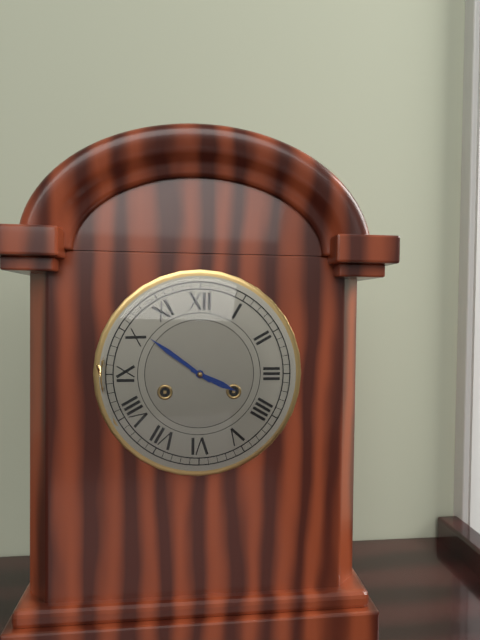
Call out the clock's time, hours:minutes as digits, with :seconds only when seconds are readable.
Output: 3:51
